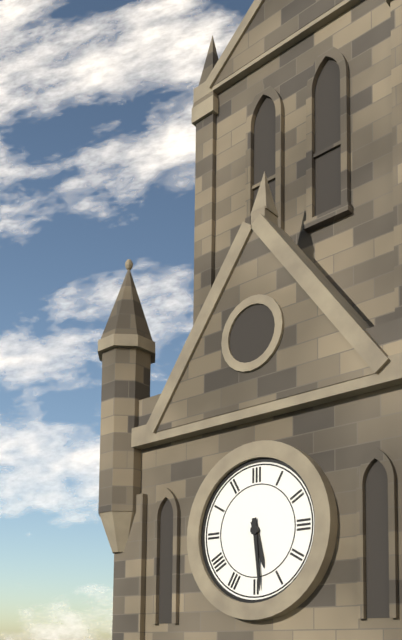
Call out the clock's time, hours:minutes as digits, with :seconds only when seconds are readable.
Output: 5:29
